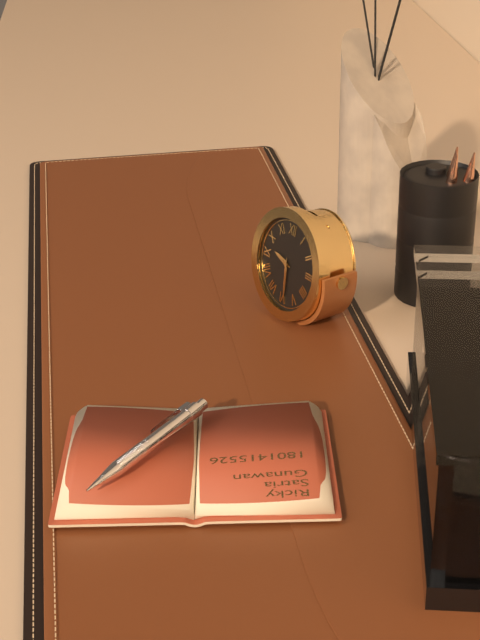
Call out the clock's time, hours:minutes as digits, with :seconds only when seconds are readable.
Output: 9:29
